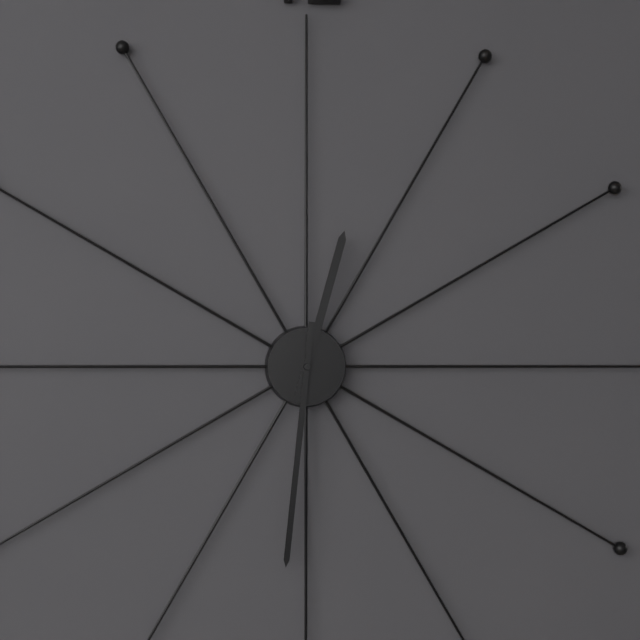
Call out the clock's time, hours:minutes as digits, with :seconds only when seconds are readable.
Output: 12:31
